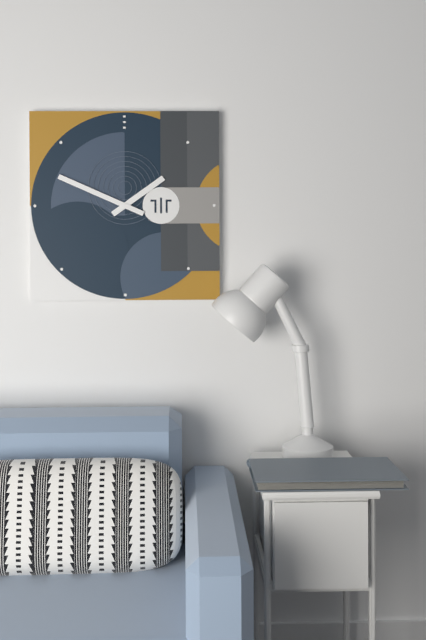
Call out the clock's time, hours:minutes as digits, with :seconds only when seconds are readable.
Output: 1:49
